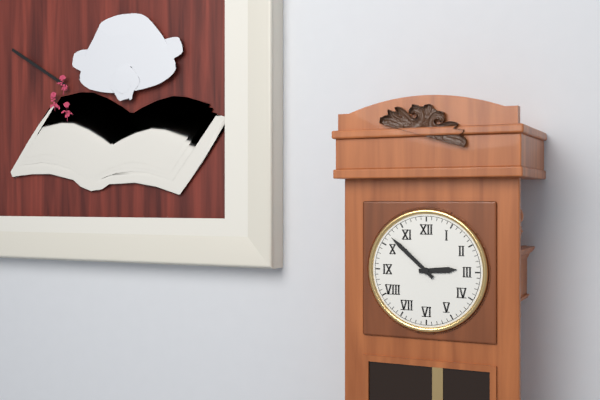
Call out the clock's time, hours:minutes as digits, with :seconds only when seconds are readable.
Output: 2:52
